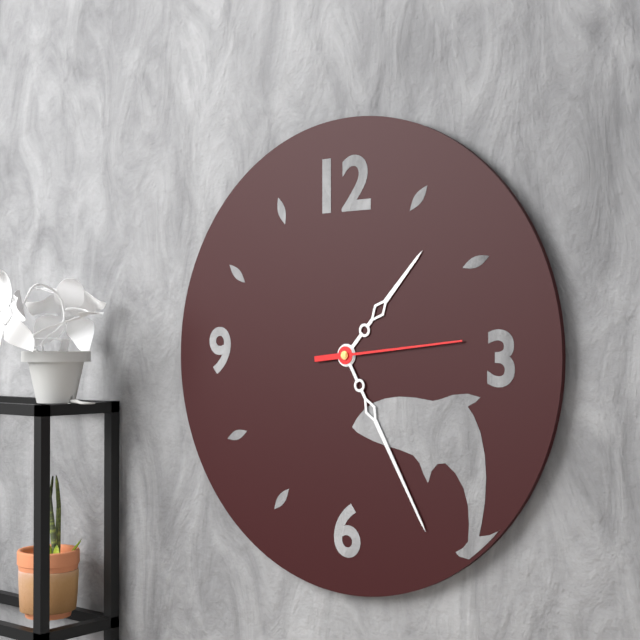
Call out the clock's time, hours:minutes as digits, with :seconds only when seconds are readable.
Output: 1:25:14
